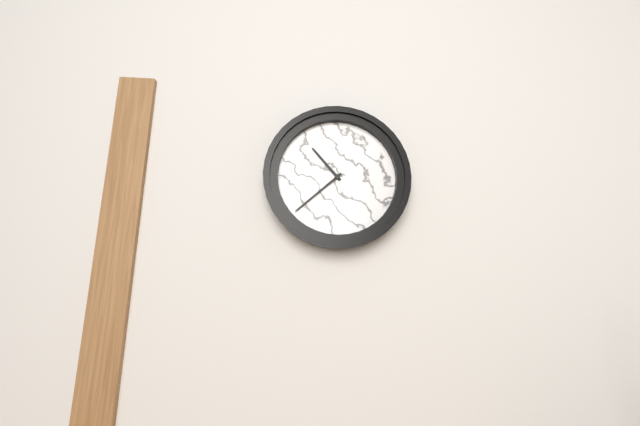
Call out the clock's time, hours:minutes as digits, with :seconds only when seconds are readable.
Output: 10:38
